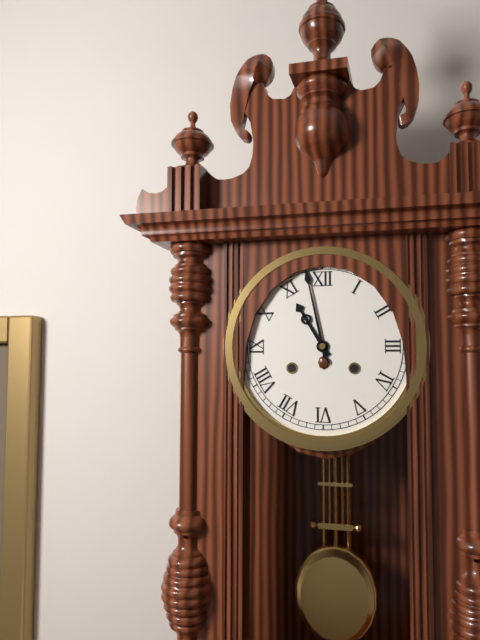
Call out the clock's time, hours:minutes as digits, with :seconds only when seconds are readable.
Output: 10:58
